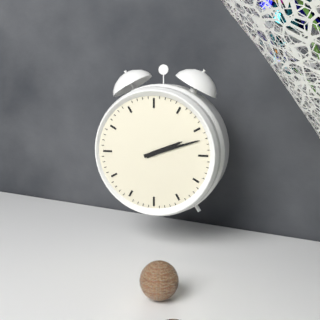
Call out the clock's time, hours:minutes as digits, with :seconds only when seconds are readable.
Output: 2:12
